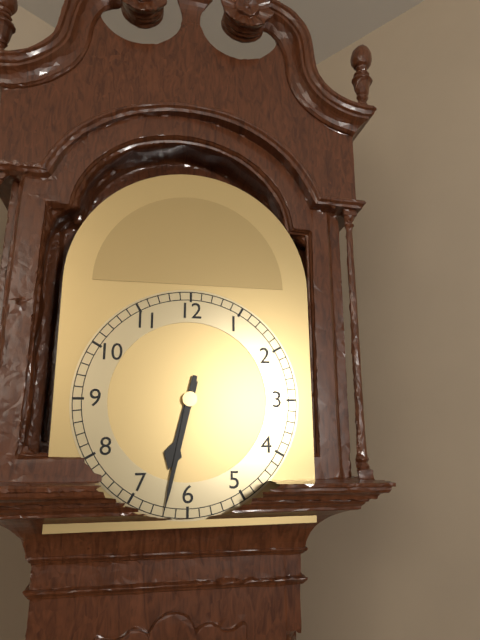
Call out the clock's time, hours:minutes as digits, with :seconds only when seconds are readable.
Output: 6:32
